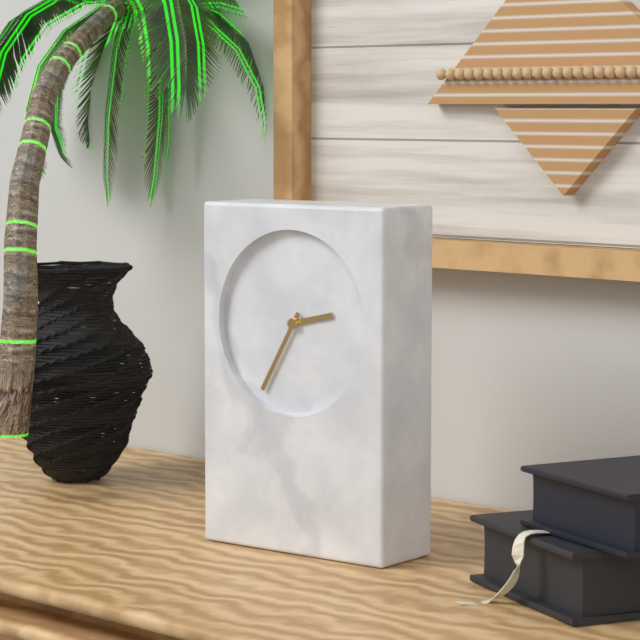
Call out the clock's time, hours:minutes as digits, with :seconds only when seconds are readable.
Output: 2:35
